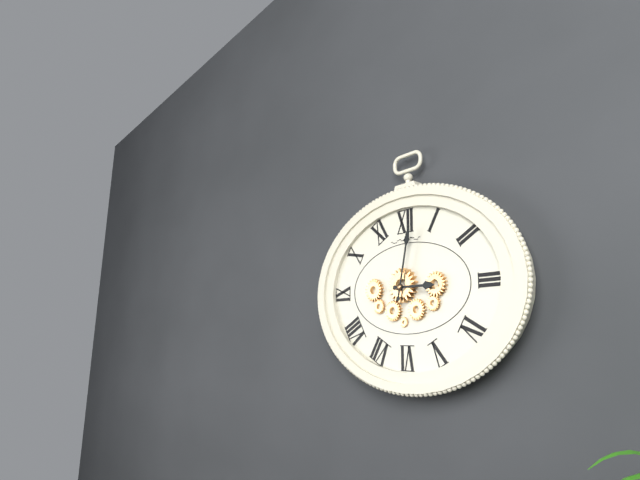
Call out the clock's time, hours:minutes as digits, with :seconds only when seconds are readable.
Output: 3:02
